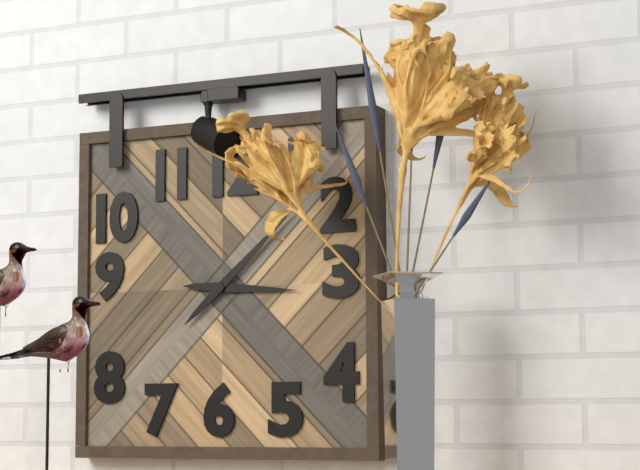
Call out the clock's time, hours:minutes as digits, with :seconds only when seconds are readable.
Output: 3:08
